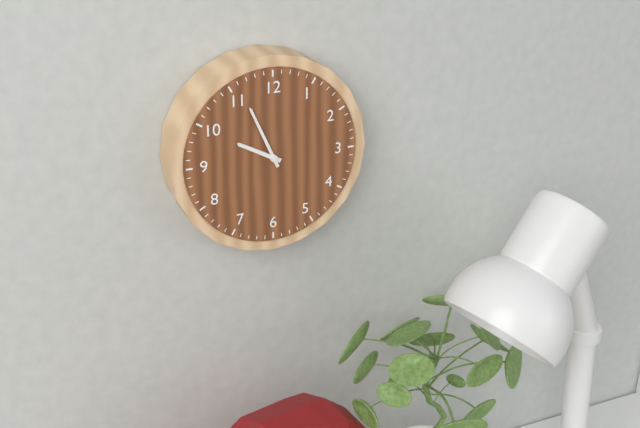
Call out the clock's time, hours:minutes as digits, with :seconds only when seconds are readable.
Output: 9:56
